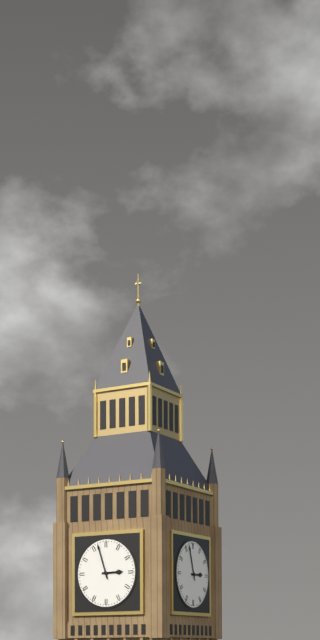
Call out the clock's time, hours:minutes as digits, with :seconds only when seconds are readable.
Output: 2:57
